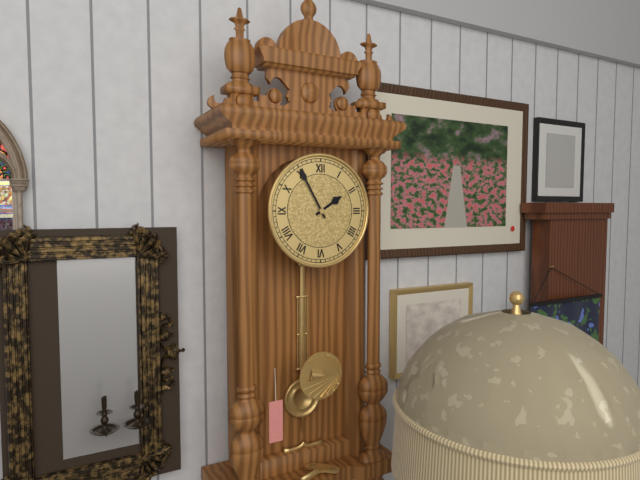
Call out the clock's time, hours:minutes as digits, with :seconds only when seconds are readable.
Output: 1:55
